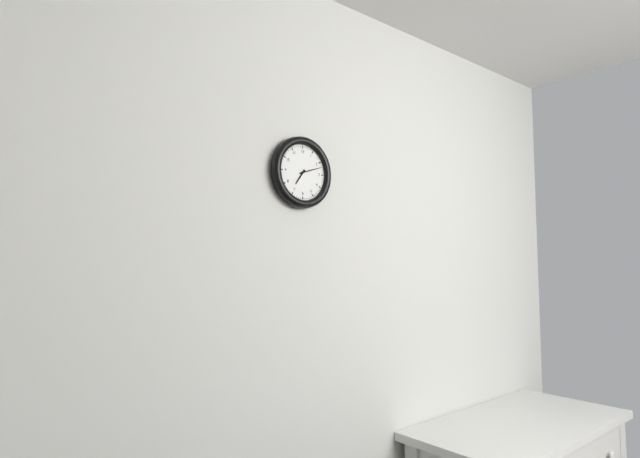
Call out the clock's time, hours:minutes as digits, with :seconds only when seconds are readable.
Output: 7:12
